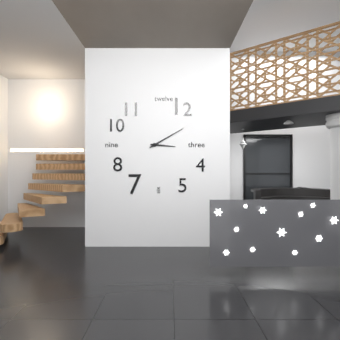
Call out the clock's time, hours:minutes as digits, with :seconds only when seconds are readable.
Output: 3:10
